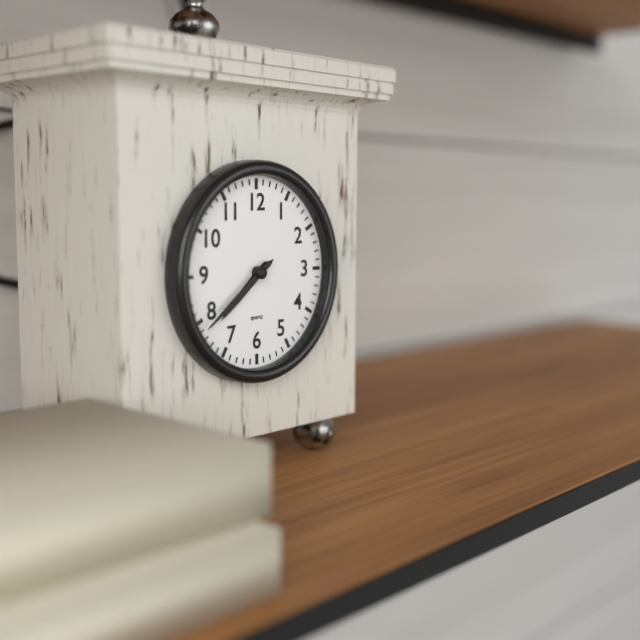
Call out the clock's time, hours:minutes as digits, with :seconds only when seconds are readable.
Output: 7:39
